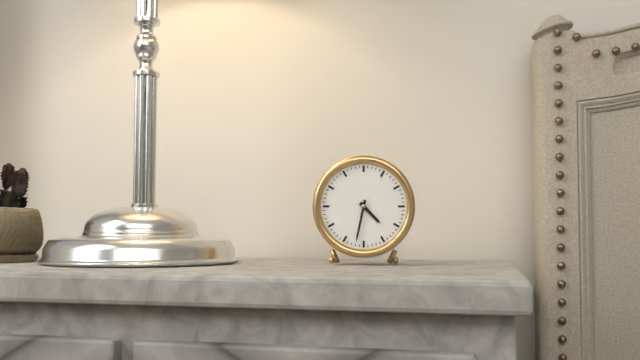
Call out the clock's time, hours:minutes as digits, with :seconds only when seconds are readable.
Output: 4:32
